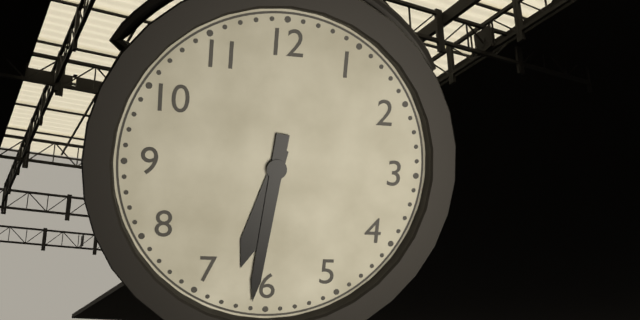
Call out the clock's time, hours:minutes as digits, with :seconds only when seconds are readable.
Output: 6:31
